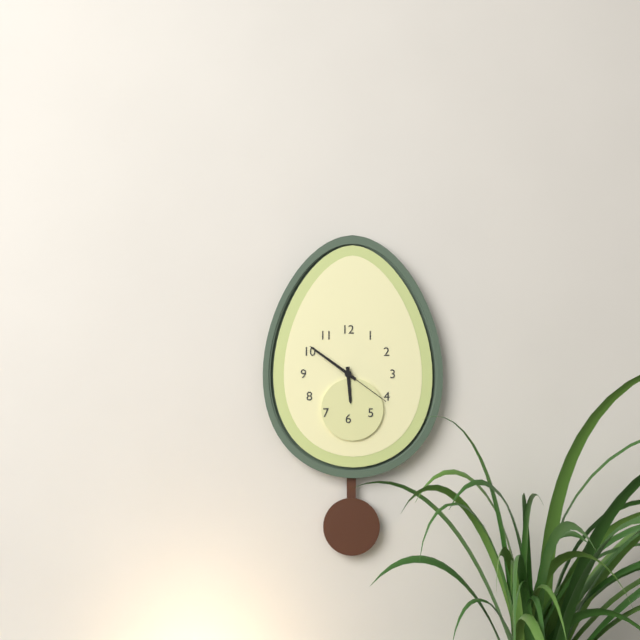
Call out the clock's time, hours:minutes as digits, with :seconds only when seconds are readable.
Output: 5:51:21
